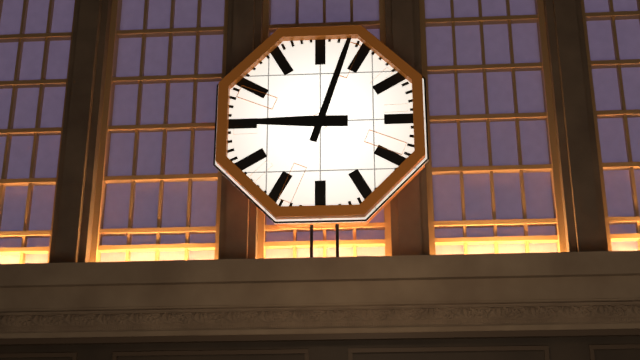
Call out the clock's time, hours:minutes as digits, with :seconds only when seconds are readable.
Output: 9:03
